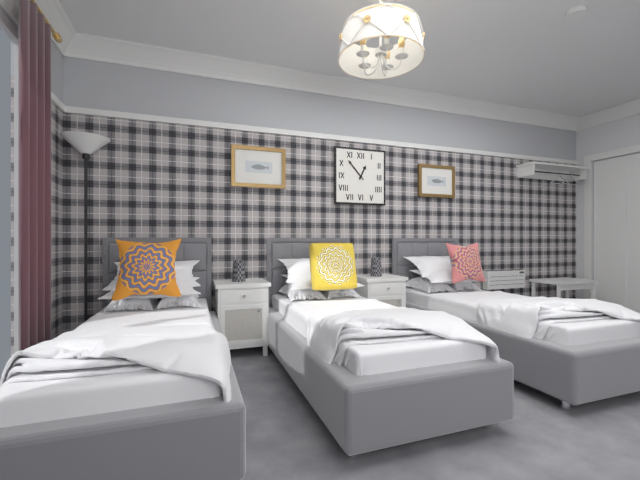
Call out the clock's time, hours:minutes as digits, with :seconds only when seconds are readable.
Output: 12:53
